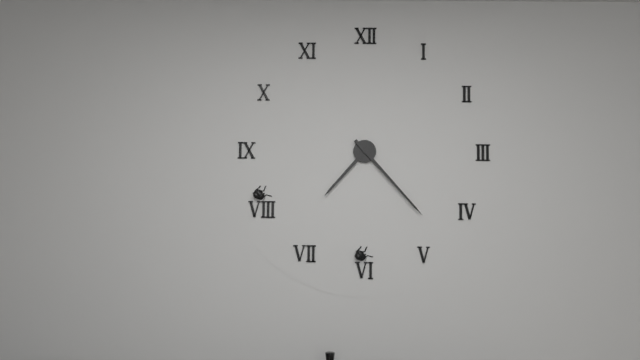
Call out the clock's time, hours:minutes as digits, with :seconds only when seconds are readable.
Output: 7:23
